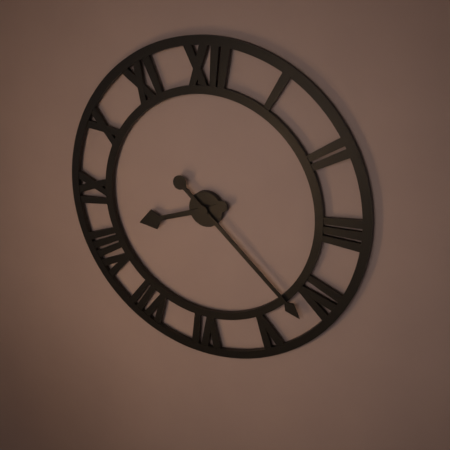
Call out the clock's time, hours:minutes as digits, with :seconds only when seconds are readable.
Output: 8:22
